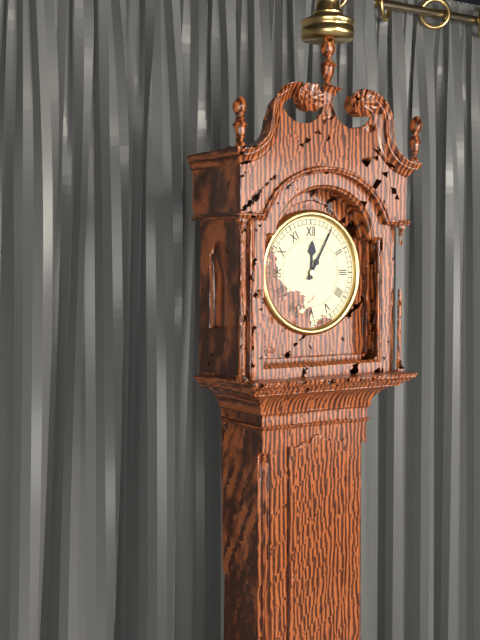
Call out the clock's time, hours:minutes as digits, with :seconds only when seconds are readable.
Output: 12:05
